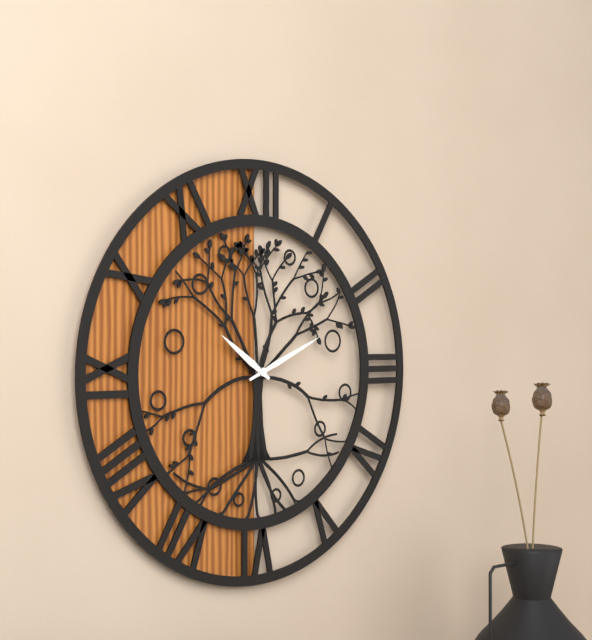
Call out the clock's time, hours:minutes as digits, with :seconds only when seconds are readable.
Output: 10:11
